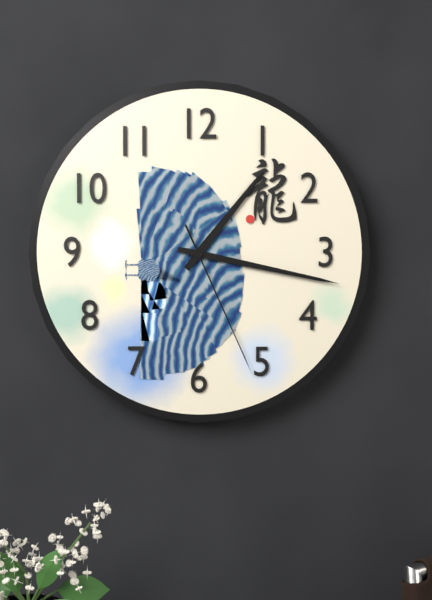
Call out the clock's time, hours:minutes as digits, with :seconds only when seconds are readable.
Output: 1:17:26
